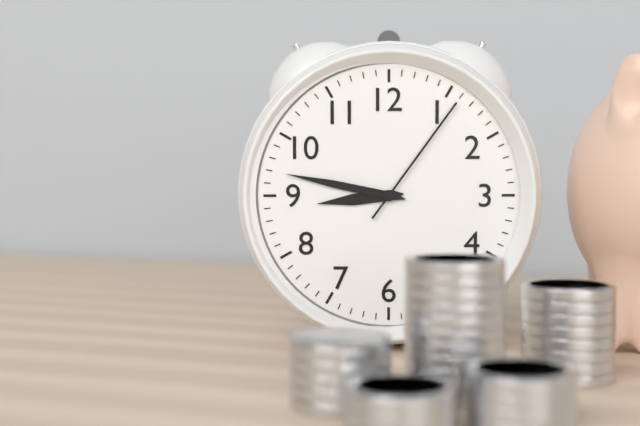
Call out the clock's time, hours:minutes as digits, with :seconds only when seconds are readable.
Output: 8:47:06
